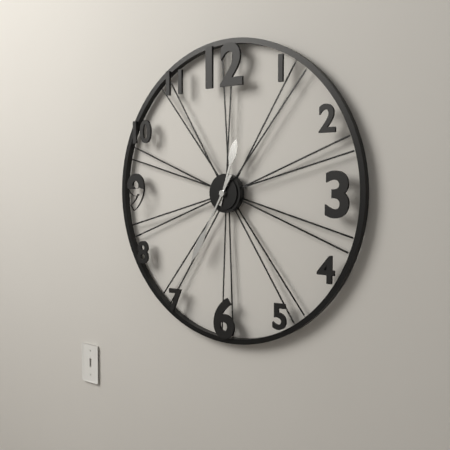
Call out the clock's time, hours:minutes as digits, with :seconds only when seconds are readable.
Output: 12:35
